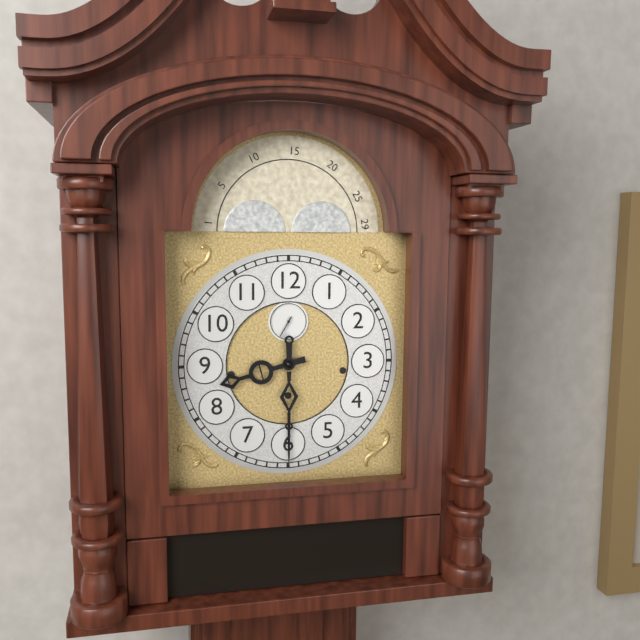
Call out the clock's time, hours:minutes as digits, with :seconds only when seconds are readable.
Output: 8:30
